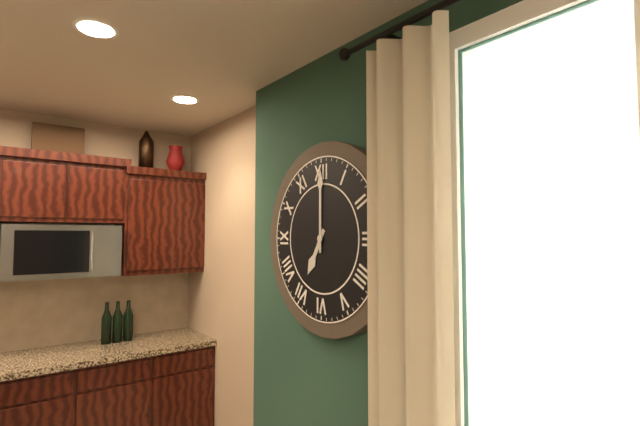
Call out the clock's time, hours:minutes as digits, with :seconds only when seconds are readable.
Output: 7:00
